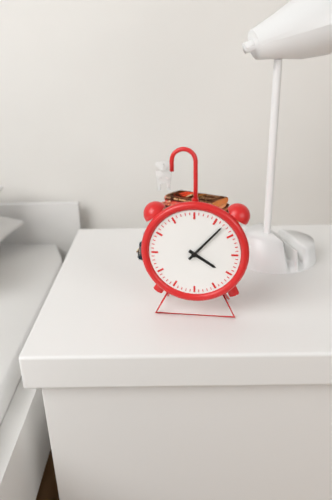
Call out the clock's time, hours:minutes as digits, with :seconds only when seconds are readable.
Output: 4:07
